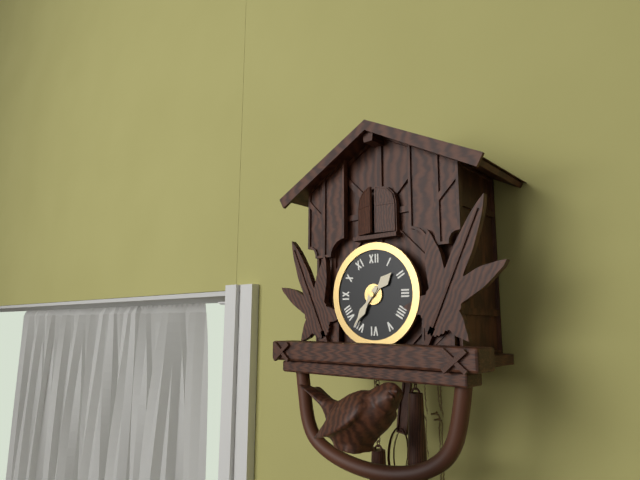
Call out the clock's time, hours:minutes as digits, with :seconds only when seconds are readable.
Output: 1:36
